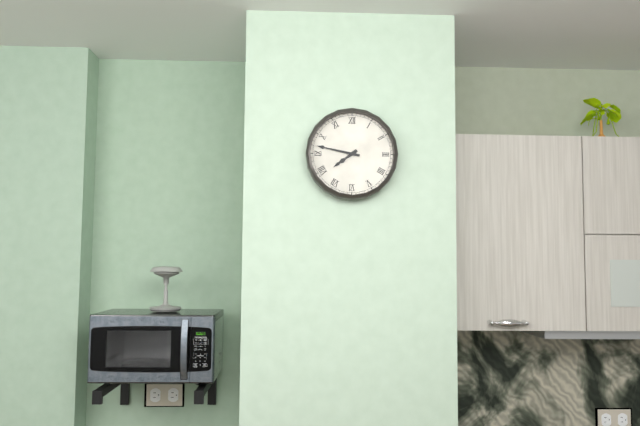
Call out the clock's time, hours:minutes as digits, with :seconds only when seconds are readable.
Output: 7:47
